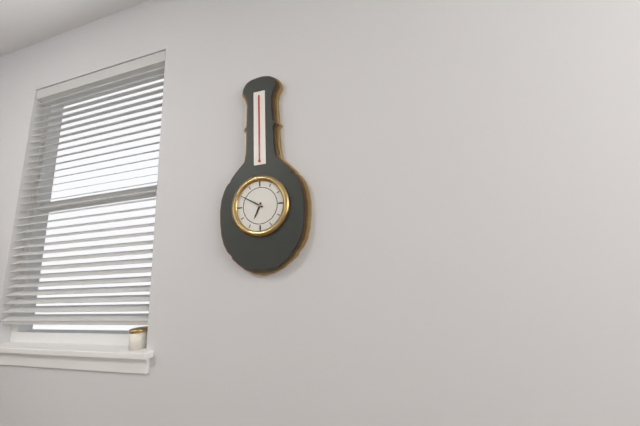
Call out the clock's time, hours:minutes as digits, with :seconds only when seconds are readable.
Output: 6:50
